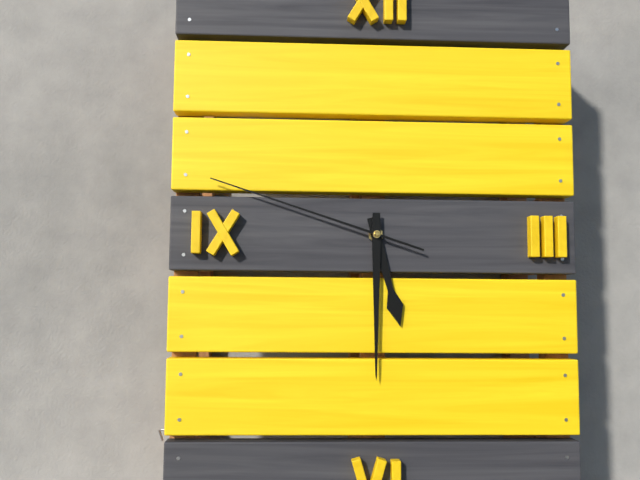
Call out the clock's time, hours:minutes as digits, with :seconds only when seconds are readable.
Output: 5:30:48
